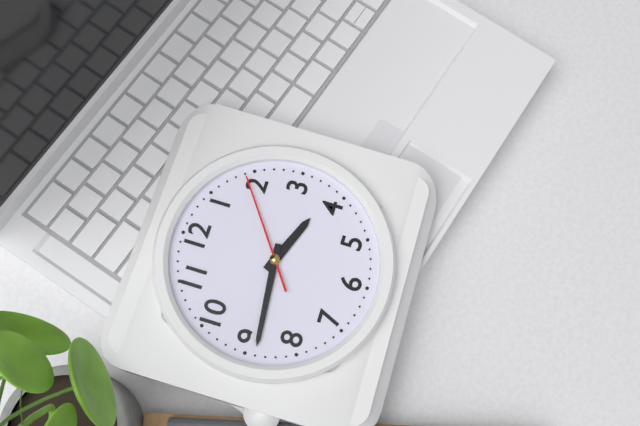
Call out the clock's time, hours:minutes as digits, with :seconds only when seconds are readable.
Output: 3:44:09
